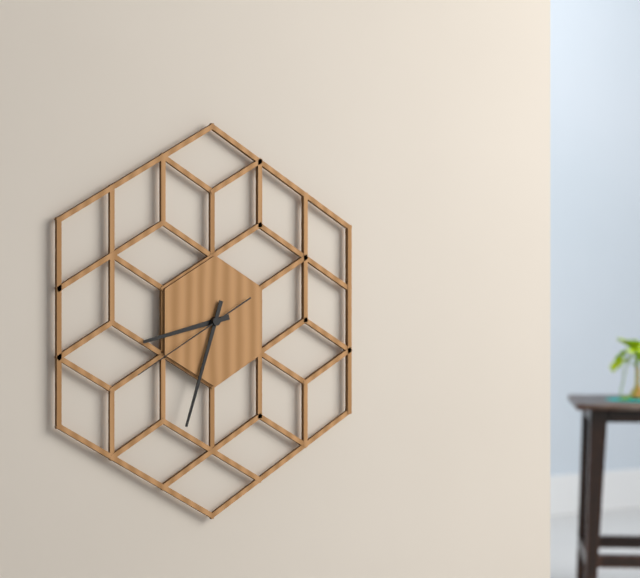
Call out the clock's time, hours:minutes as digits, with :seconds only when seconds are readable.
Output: 8:33:40
